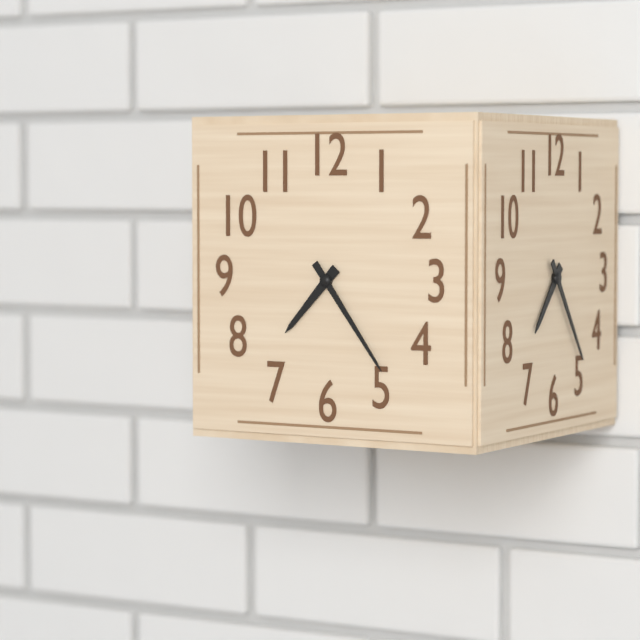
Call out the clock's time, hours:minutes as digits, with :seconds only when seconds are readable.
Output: 7:24
